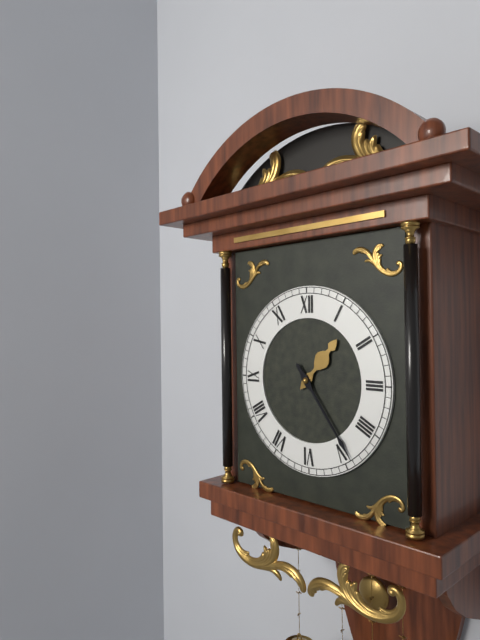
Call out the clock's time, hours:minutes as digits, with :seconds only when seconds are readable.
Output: 1:24
